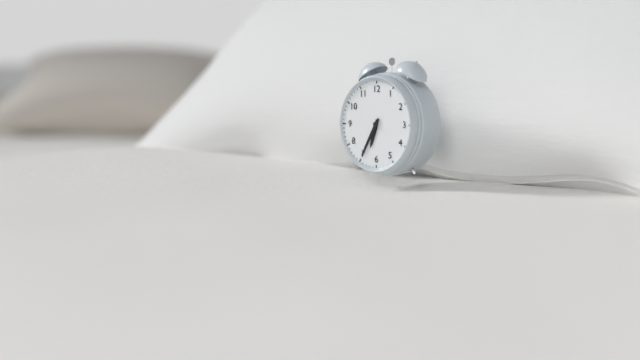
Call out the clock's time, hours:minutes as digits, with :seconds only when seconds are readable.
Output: 6:35
